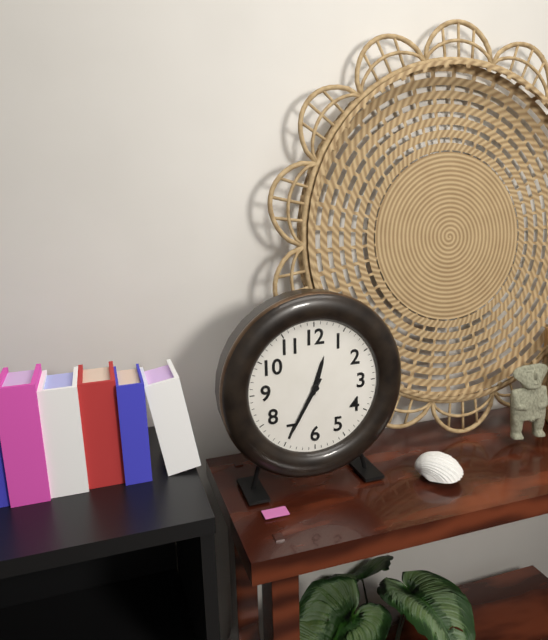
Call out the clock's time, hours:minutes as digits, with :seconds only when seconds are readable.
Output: 12:35
